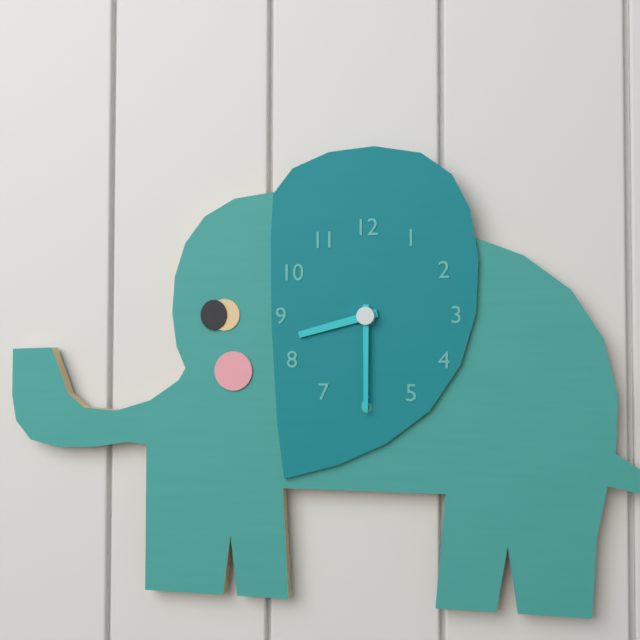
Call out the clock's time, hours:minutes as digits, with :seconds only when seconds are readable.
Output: 8:30
